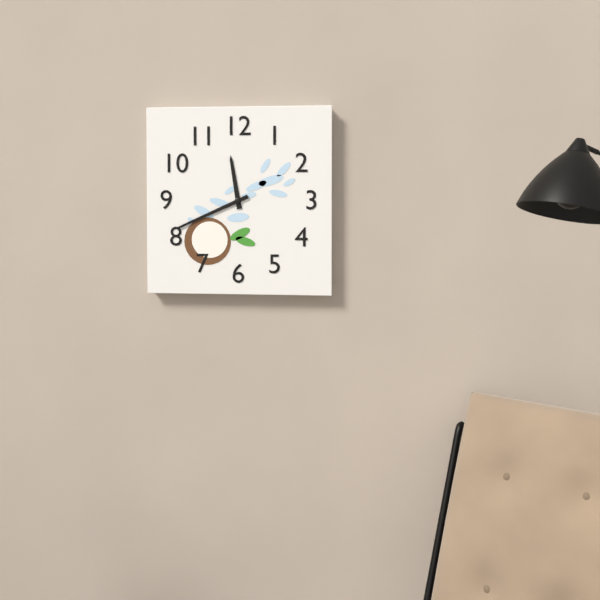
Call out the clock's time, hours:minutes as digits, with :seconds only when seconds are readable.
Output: 11:41
